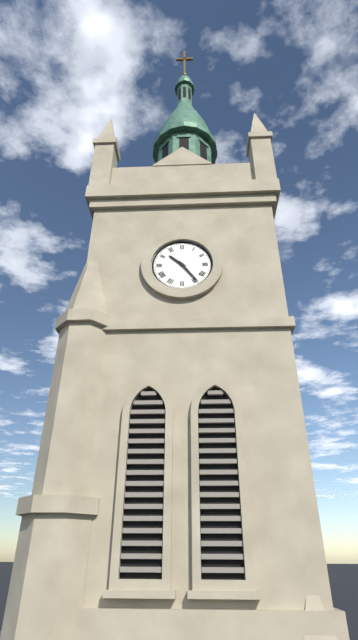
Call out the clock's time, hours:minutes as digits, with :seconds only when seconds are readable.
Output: 10:24
